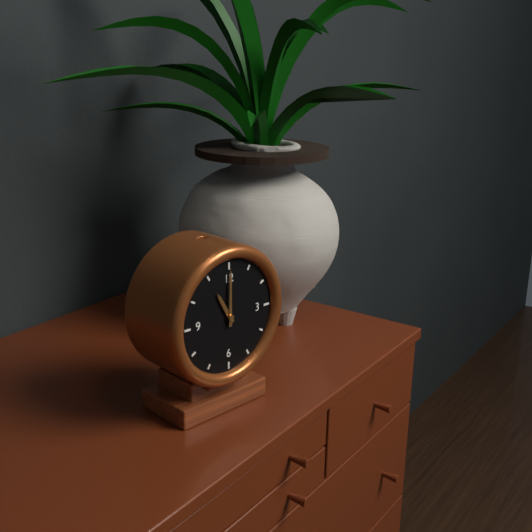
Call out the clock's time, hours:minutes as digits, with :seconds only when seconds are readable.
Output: 11:00
